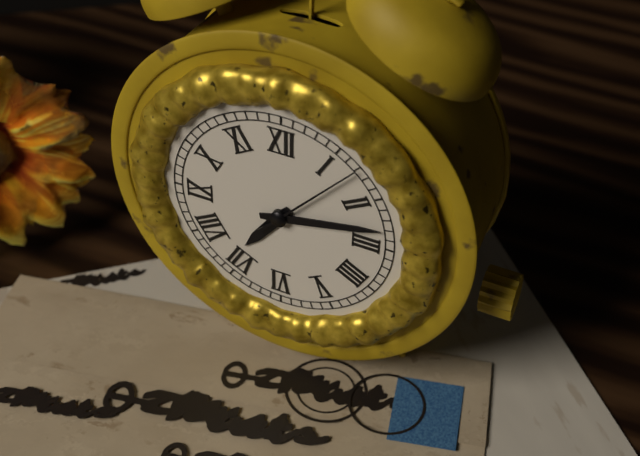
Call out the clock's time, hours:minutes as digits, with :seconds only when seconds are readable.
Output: 7:13:07
